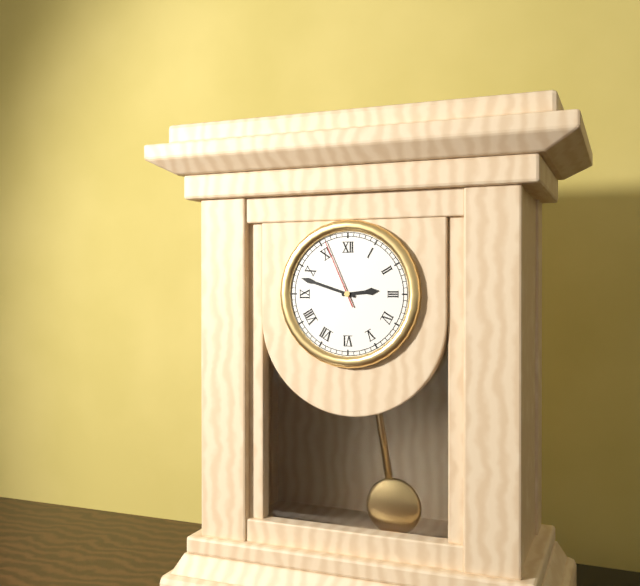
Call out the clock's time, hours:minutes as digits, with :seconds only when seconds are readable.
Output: 2:48:56
